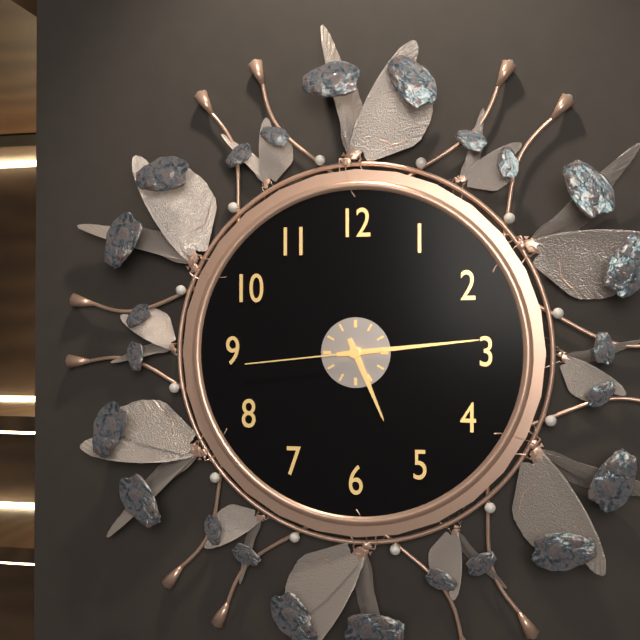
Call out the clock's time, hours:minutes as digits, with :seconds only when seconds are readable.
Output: 5:14:44
